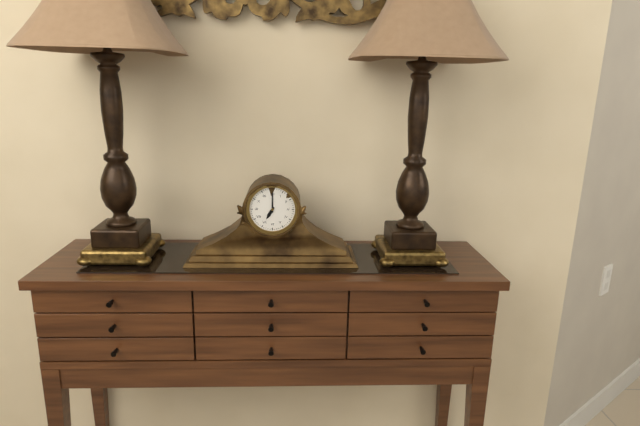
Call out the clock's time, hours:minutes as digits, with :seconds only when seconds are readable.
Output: 7:00
